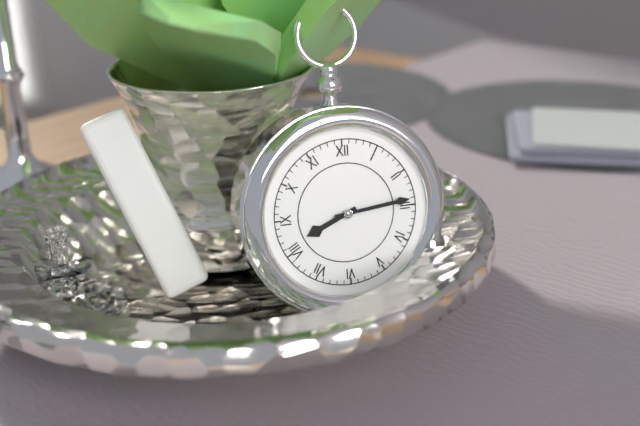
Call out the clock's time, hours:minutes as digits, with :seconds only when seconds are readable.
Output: 8:14
